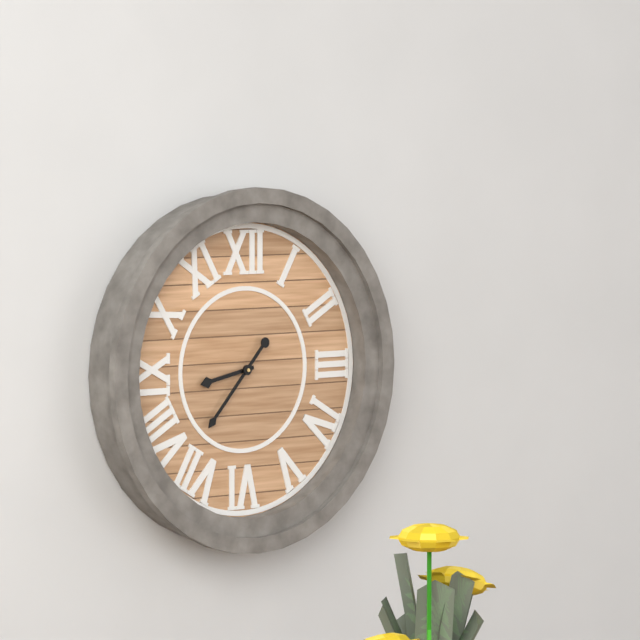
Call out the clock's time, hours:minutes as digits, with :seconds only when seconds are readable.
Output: 8:37
